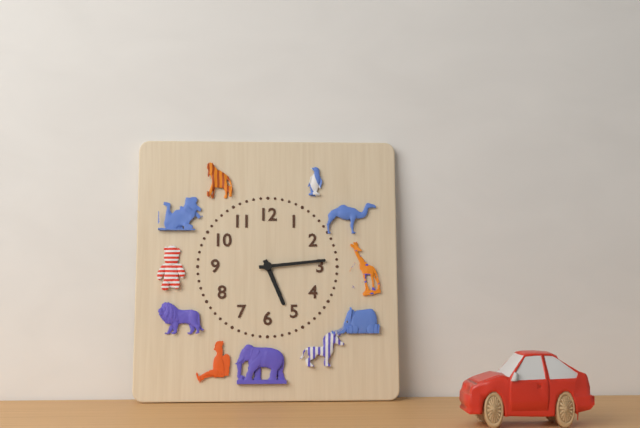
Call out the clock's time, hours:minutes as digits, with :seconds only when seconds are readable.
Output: 5:14
